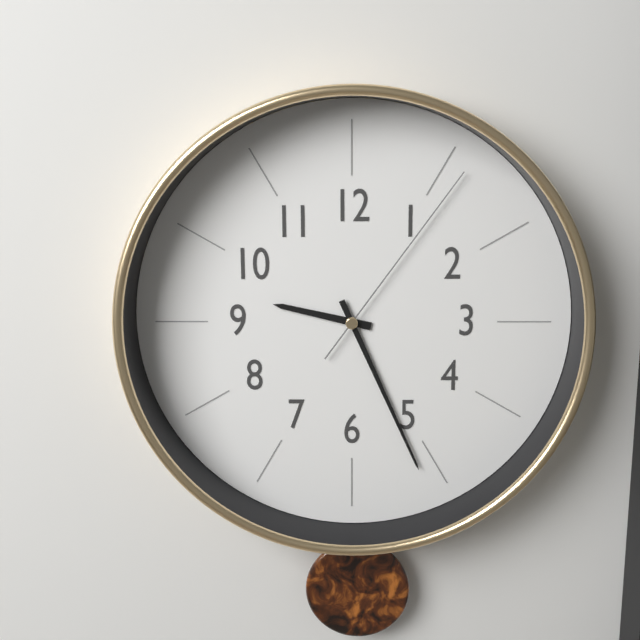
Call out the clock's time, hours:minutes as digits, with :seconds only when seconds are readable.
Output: 9:26:06
